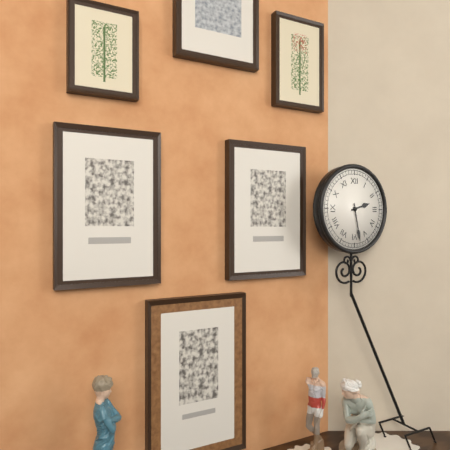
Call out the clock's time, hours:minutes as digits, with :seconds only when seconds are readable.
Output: 2:28
